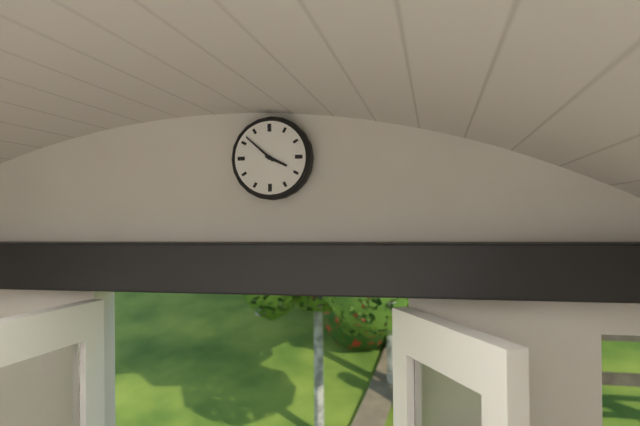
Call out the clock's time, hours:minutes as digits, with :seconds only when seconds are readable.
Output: 3:52
